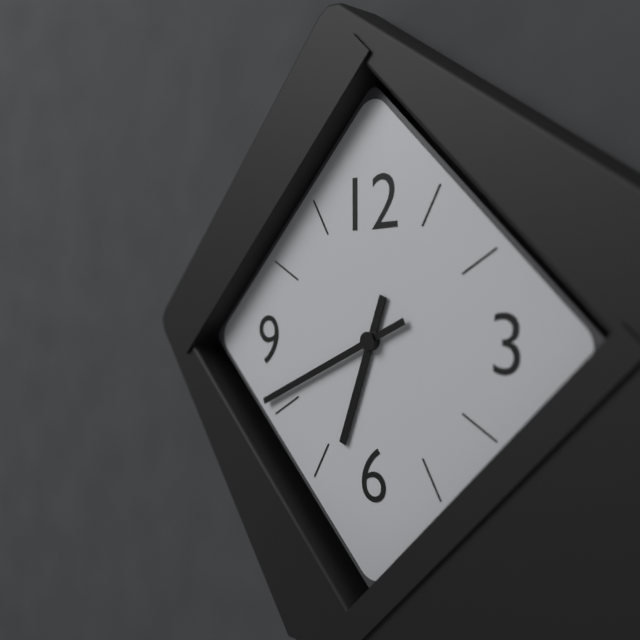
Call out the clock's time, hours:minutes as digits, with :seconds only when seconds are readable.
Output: 6:41
